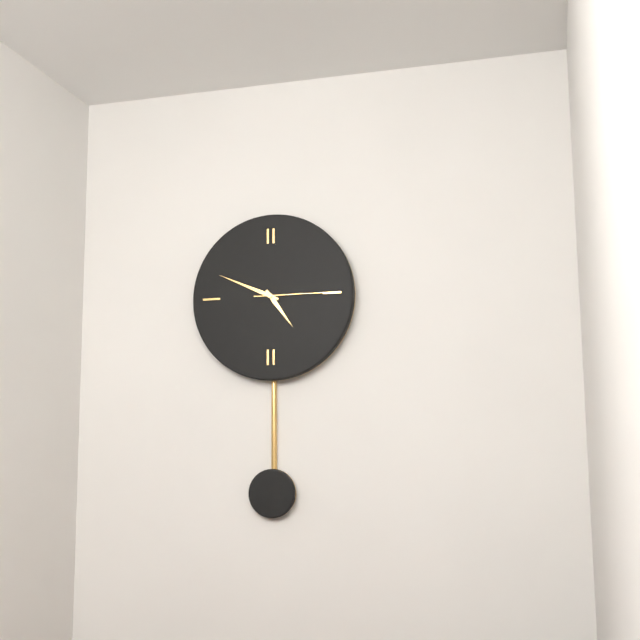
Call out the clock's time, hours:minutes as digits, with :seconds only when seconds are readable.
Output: 4:49:15
